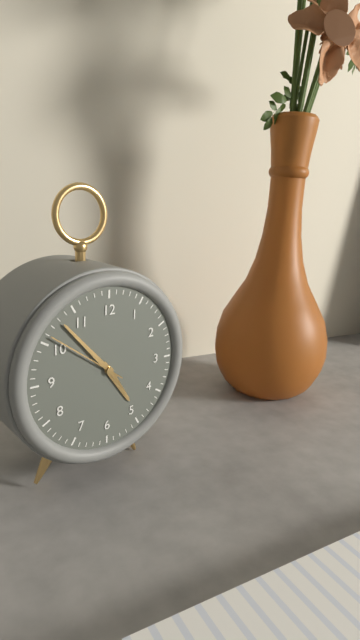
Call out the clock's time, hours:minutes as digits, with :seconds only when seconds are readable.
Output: 4:53:51
